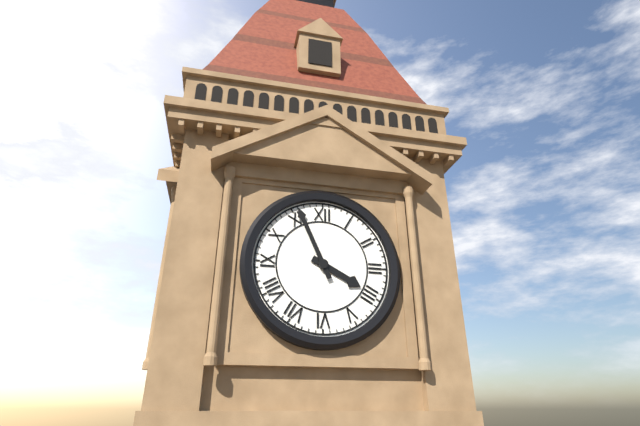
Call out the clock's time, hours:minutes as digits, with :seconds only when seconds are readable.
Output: 3:56
